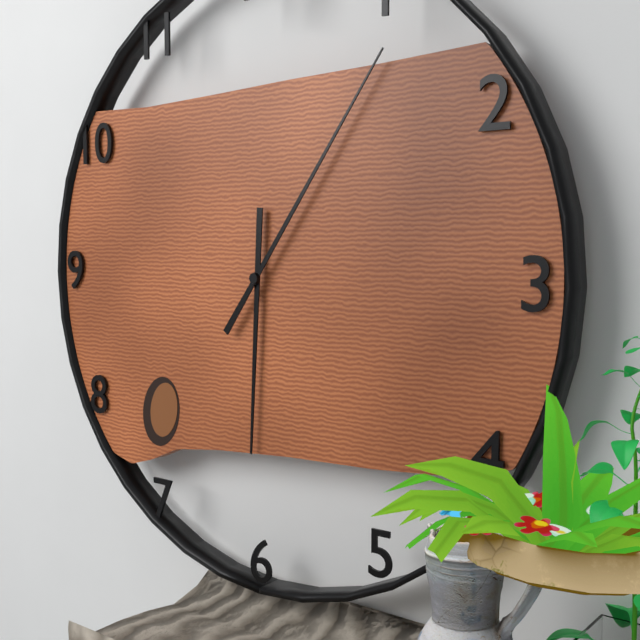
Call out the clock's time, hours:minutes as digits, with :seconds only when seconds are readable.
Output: 6:06
